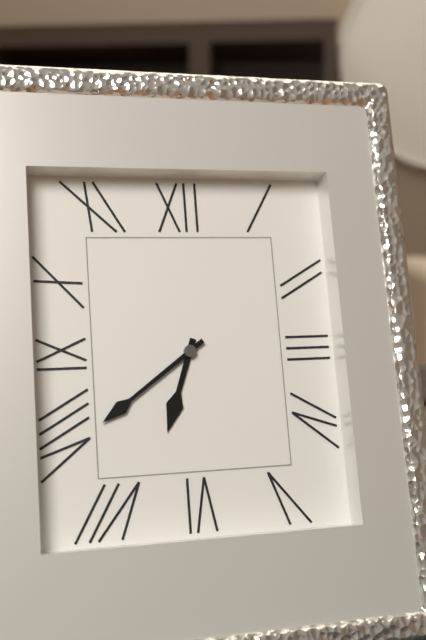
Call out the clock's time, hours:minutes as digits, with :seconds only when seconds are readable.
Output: 6:39
